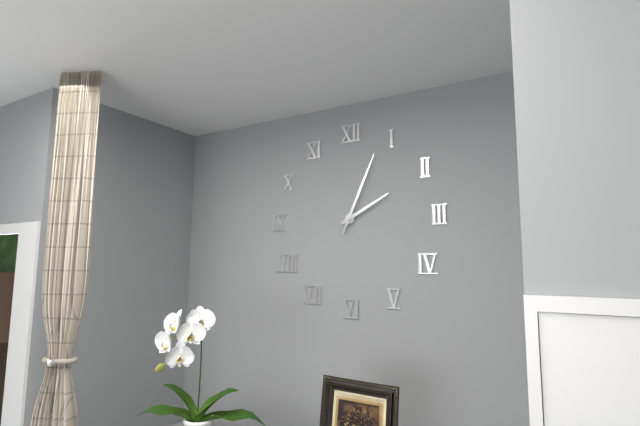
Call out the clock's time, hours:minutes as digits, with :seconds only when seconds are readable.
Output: 2:04
